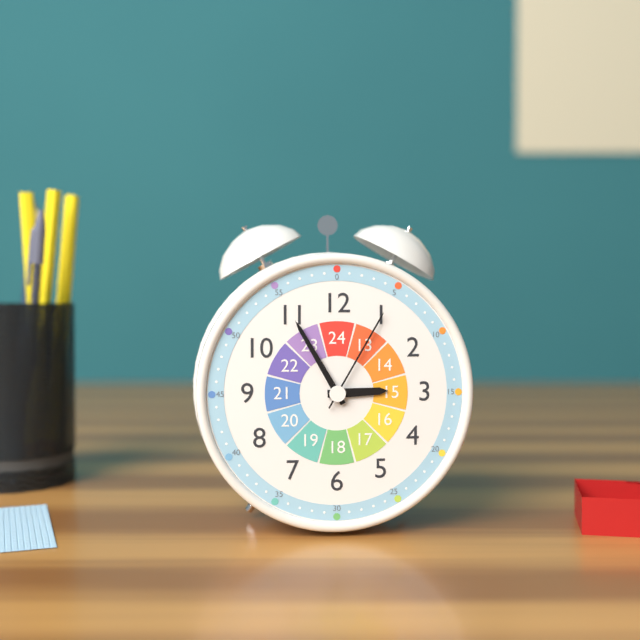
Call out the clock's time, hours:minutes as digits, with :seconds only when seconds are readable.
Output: 2:55:05
